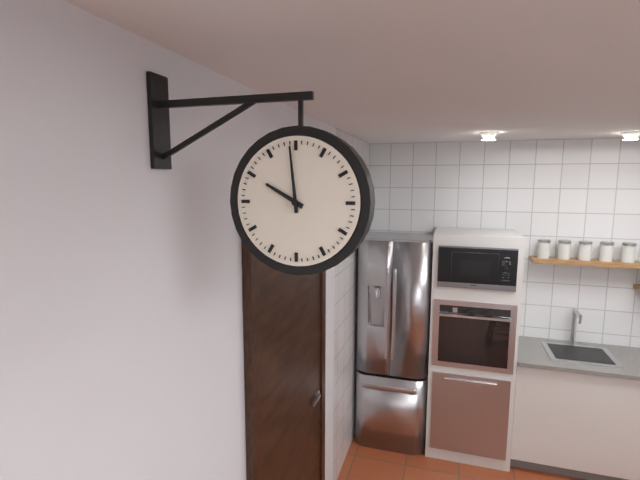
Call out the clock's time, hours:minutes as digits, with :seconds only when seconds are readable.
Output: 9:59
